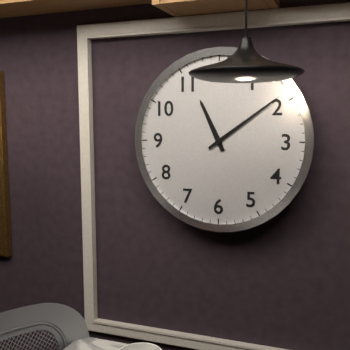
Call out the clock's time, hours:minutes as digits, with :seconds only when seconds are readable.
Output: 11:09
